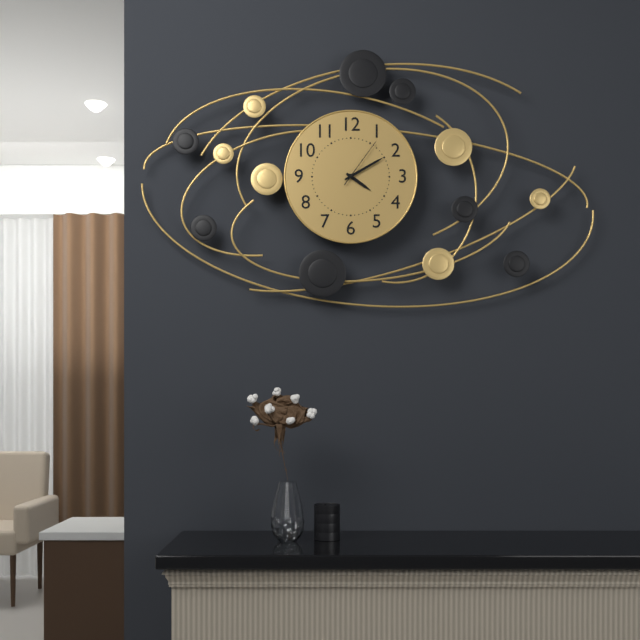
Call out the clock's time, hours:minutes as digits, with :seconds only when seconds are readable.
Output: 4:10:06
